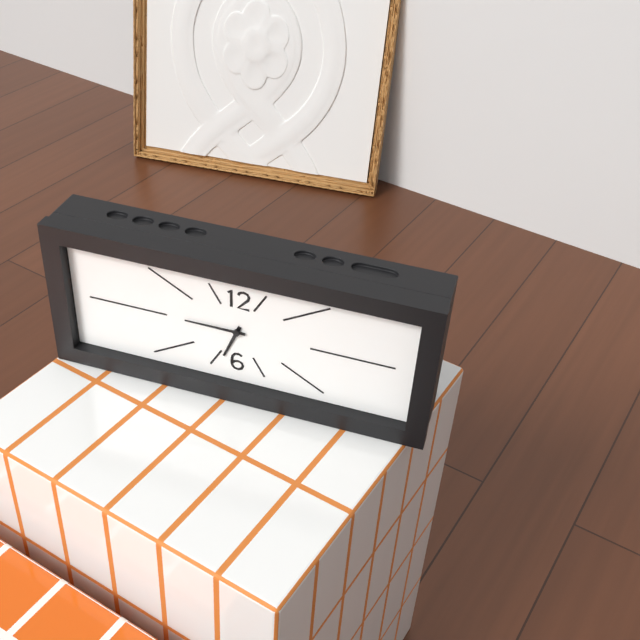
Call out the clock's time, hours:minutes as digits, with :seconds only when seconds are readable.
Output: 6:45
